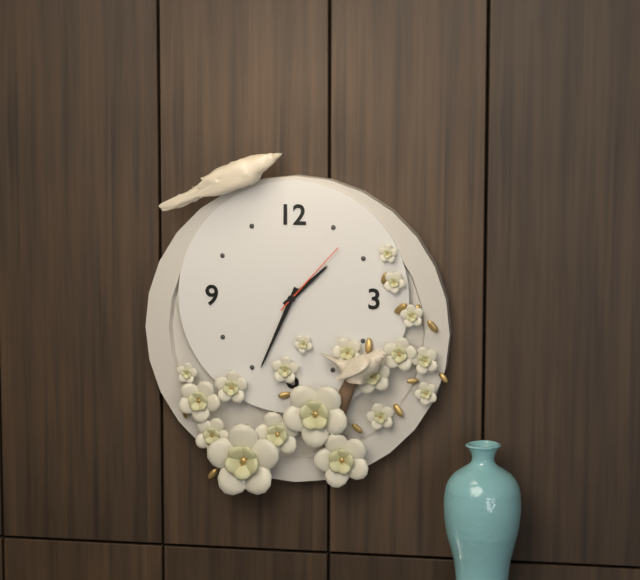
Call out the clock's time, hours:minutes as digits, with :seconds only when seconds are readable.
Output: 1:34:07
